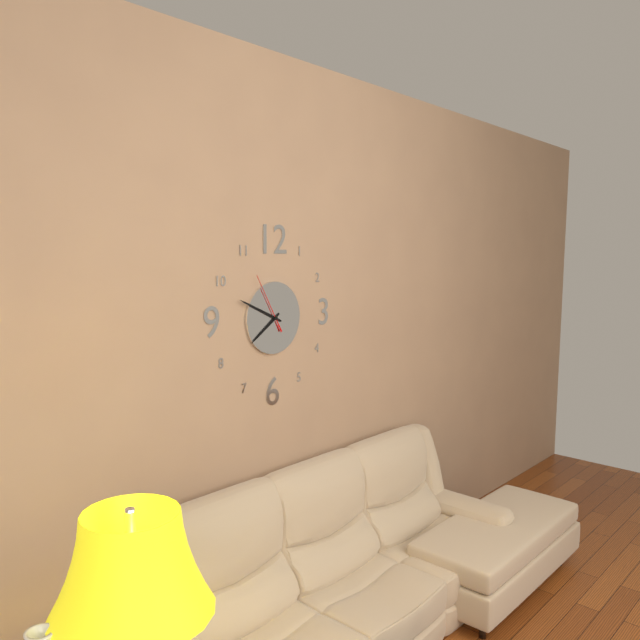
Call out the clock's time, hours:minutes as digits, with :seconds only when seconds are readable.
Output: 7:49:55
